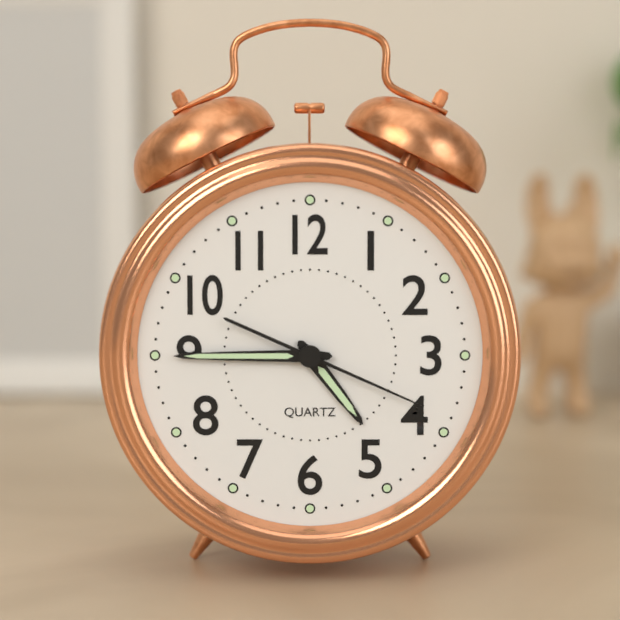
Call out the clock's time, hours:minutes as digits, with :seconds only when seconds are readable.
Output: 4:45:19
